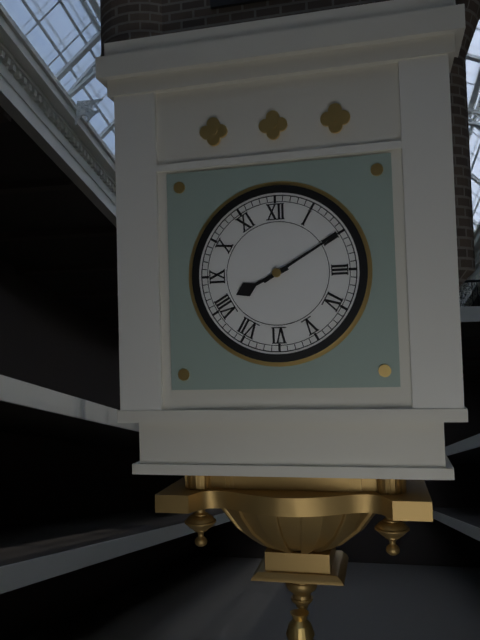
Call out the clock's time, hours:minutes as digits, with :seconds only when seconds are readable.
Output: 8:10
